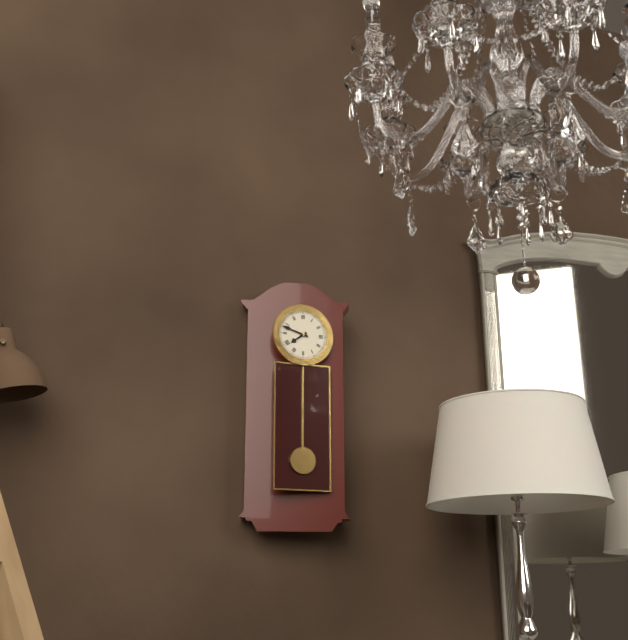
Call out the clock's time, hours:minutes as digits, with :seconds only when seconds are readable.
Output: 7:48
